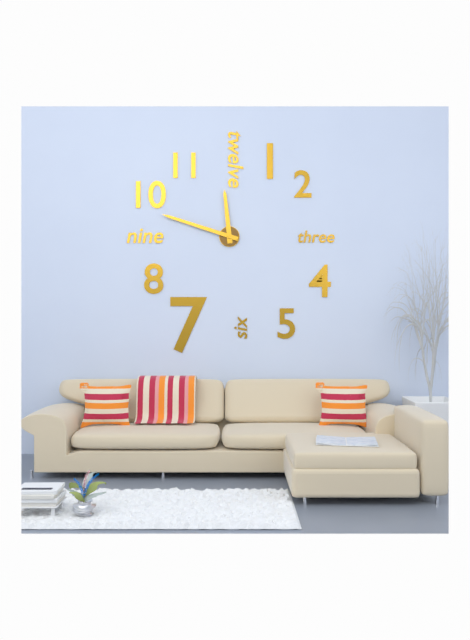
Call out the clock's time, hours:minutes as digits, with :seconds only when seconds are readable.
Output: 11:48
